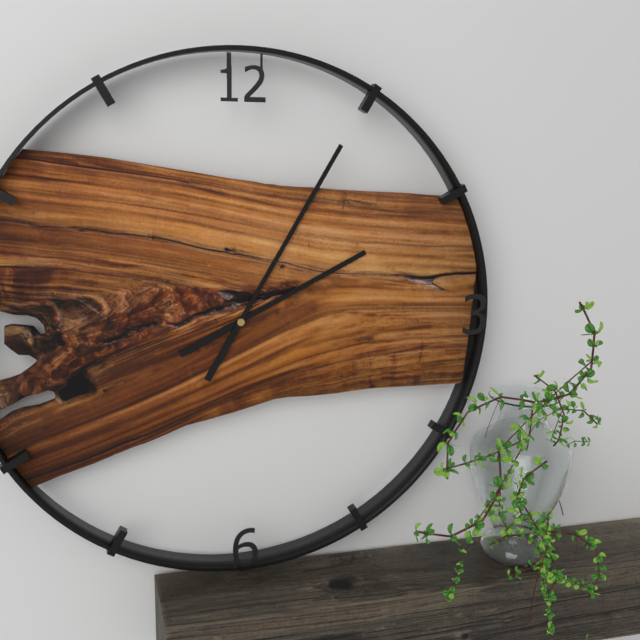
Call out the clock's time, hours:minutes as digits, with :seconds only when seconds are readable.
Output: 2:05
